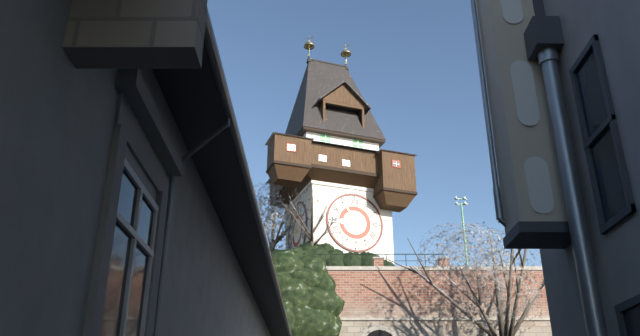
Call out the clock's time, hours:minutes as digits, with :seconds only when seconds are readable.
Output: 8:55
